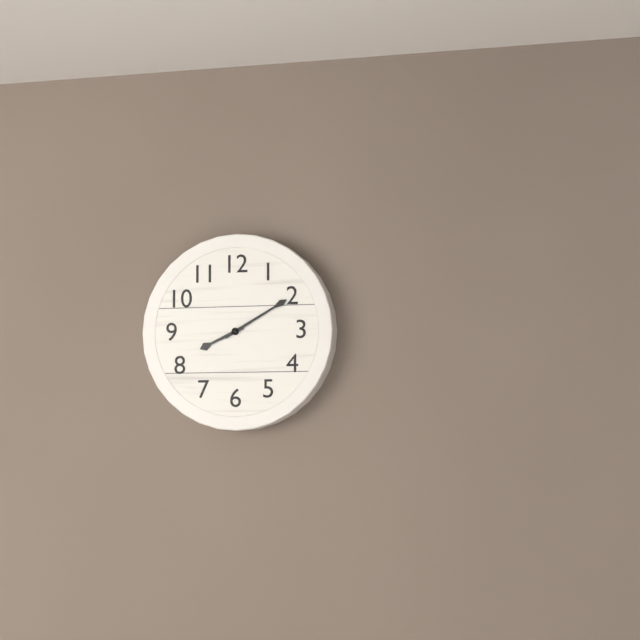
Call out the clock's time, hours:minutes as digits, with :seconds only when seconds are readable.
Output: 8:10
